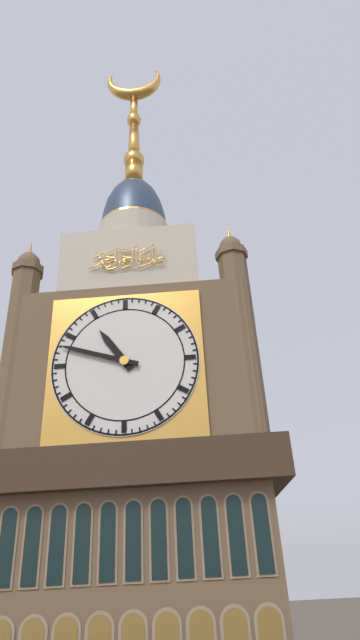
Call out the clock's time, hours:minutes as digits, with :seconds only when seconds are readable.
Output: 10:48
